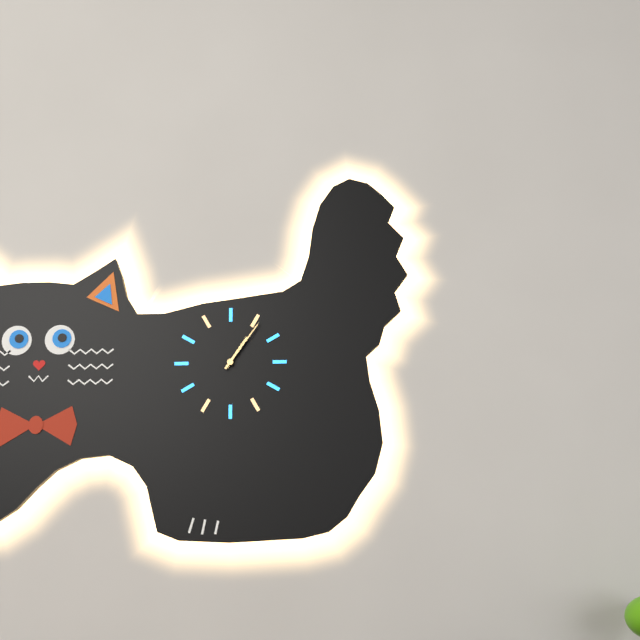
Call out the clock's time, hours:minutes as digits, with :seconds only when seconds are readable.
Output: 1:06
